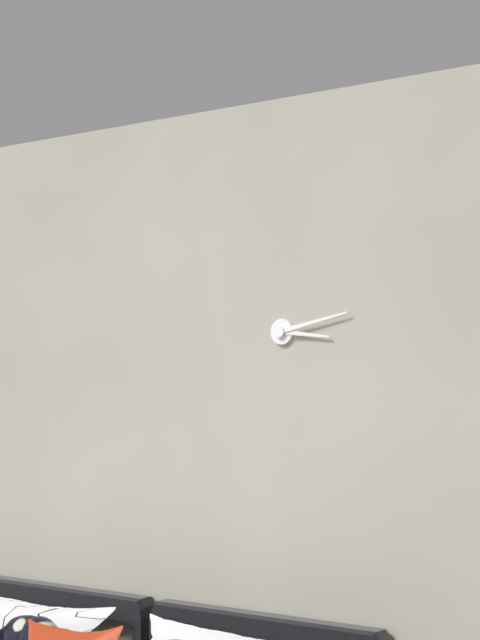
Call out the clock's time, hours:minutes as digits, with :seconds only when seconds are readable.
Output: 3:13
